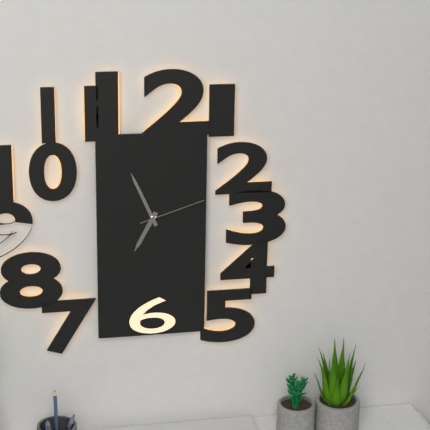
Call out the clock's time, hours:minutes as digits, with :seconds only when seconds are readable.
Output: 6:56:12
